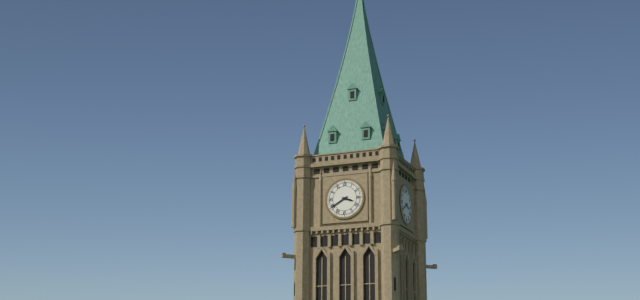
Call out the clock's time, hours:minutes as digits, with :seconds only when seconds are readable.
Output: 3:40
